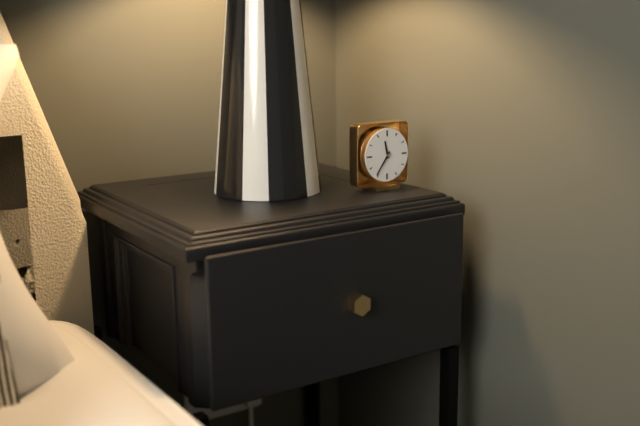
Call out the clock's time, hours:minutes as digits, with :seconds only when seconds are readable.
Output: 11:36
